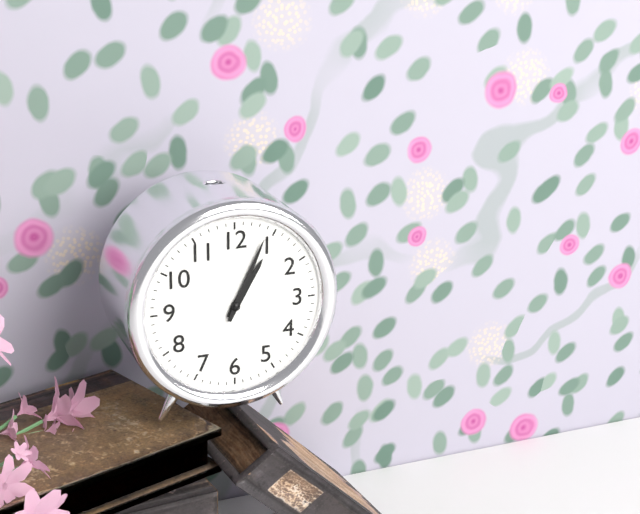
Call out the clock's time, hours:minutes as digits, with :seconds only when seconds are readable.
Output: 1:04
